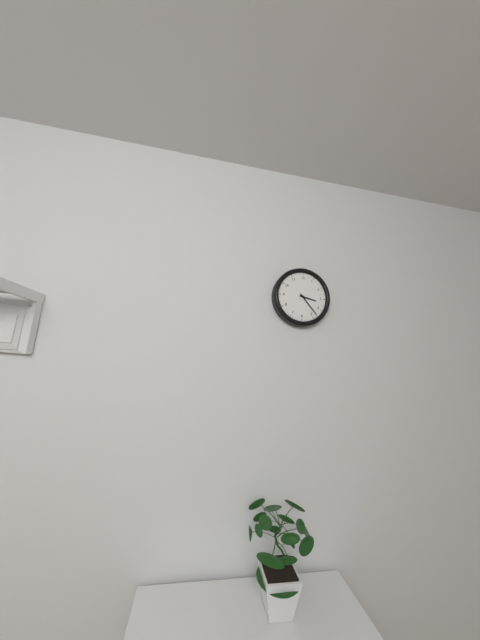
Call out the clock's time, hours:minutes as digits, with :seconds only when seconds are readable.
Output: 3:23
